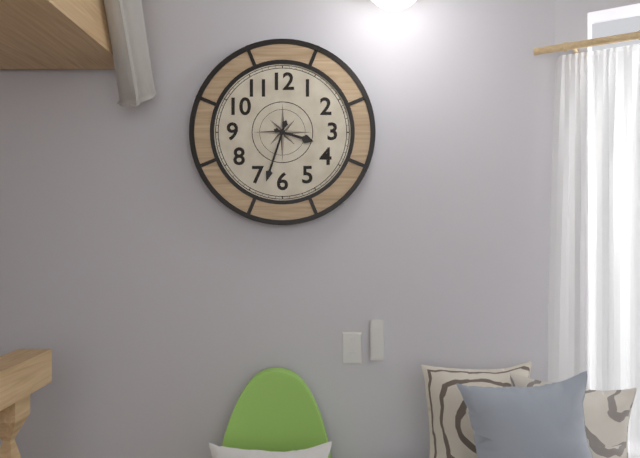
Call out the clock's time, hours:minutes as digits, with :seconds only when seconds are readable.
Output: 3:33
